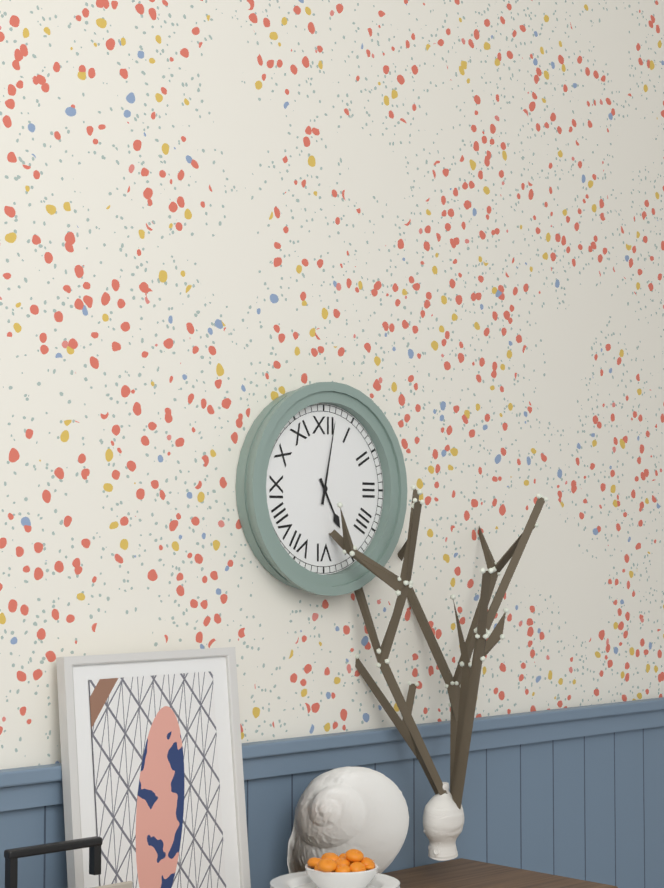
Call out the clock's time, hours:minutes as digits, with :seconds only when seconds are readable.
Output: 5:02
